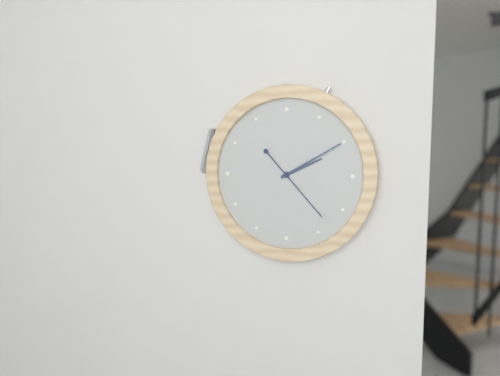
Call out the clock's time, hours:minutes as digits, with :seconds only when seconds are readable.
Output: 2:10:23
